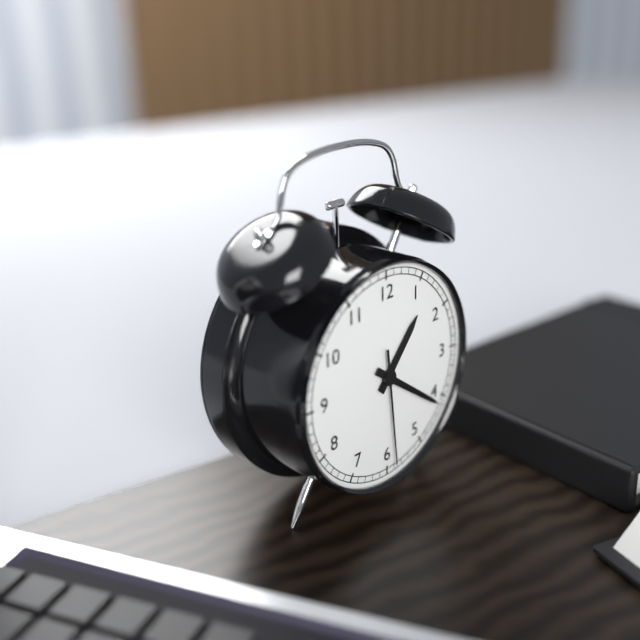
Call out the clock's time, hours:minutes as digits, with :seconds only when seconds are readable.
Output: 1:21:29
